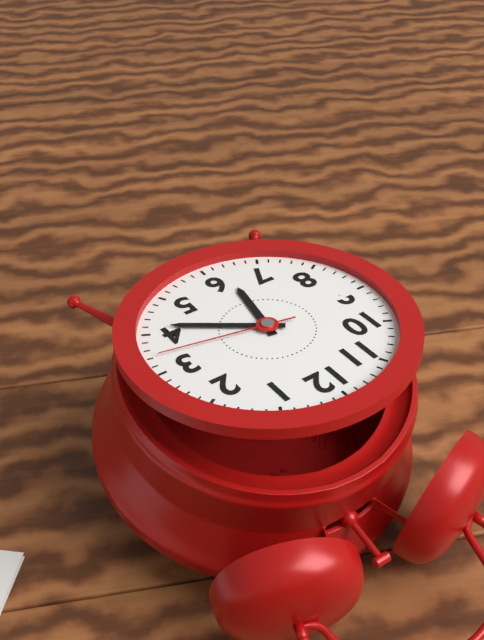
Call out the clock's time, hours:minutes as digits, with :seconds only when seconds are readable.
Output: 6:21:17
